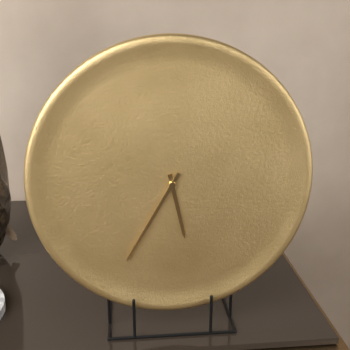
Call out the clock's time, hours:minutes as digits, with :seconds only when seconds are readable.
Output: 5:35
